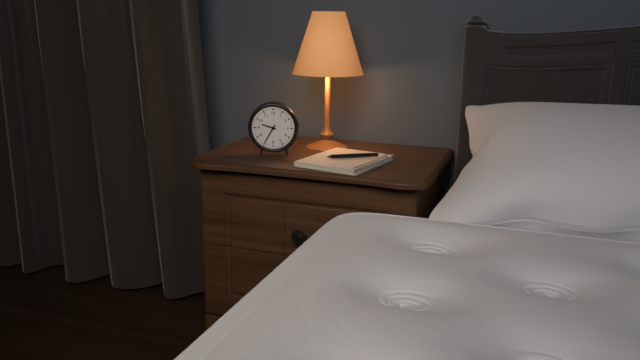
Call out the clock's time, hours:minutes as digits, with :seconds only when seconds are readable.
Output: 9:35
